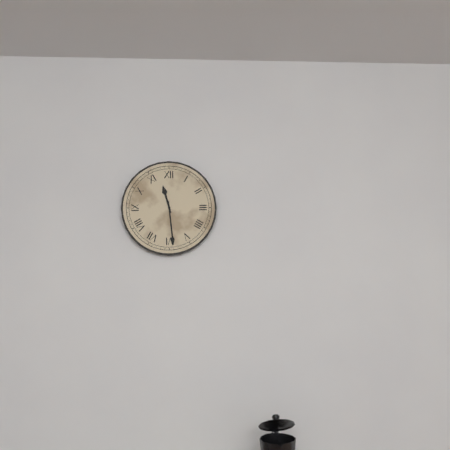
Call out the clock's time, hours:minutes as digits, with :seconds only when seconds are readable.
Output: 11:29
